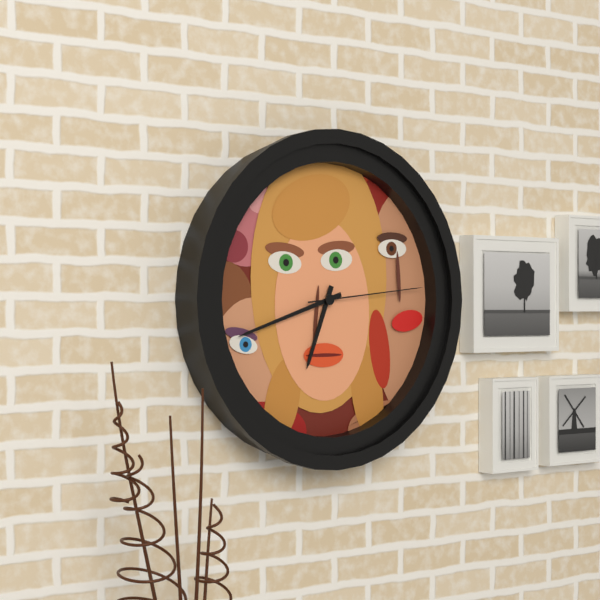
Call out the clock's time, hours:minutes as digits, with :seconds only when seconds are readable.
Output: 6:42:14
